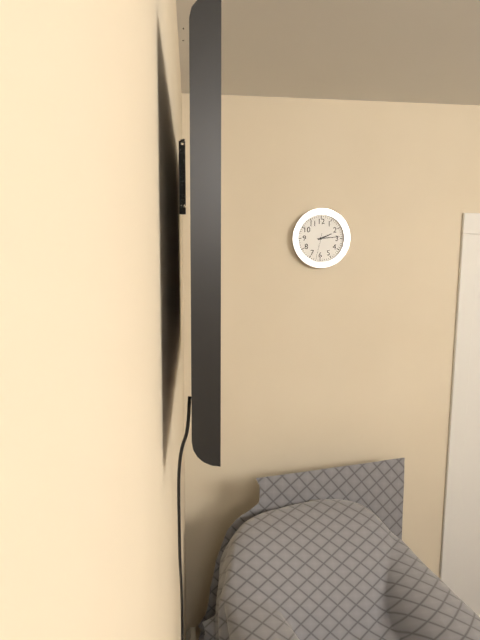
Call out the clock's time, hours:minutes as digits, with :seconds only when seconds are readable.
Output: 2:14
